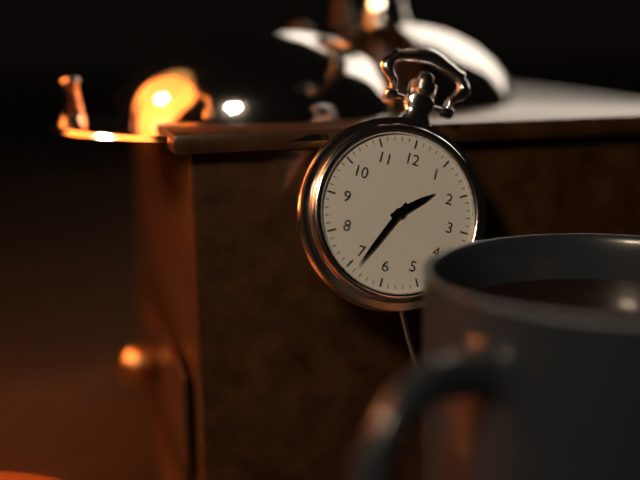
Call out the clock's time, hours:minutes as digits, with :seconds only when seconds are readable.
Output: 1:34
